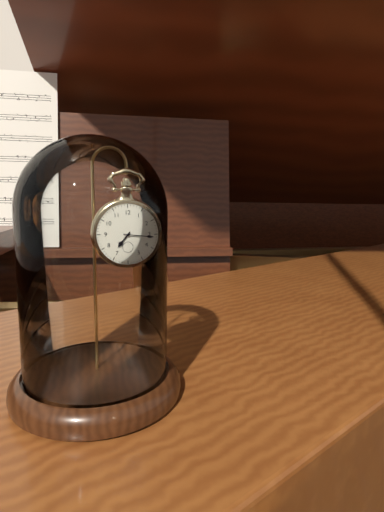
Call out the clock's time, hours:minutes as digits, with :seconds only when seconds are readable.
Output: 7:16
